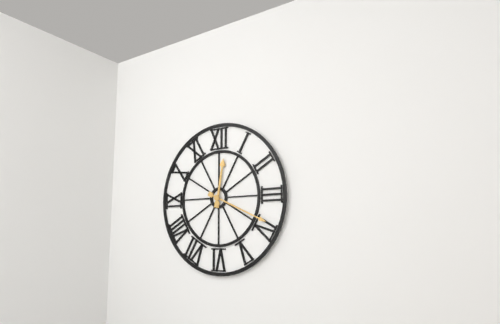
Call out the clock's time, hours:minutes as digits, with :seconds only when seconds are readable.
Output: 12:19
